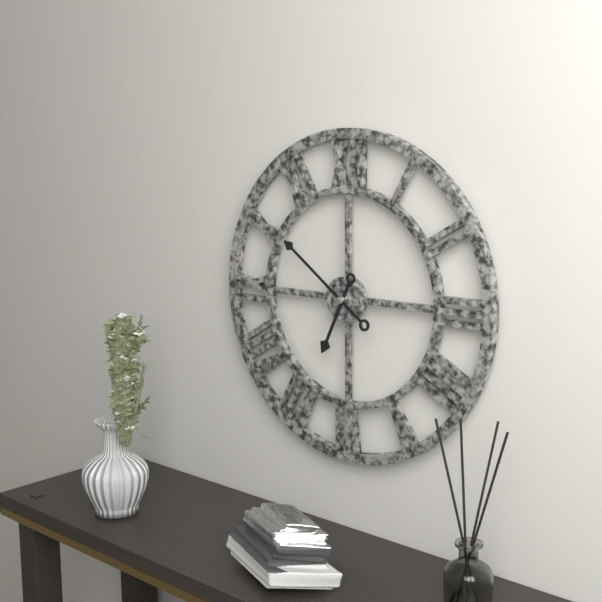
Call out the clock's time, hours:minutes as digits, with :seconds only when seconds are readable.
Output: 6:51
